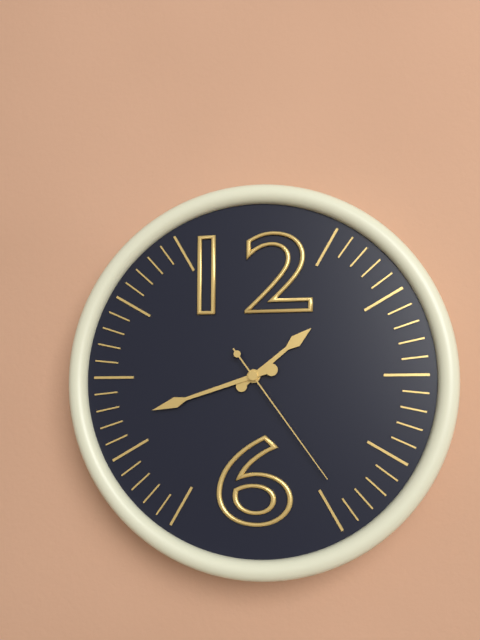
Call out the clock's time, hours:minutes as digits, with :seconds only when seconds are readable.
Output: 1:42:24
